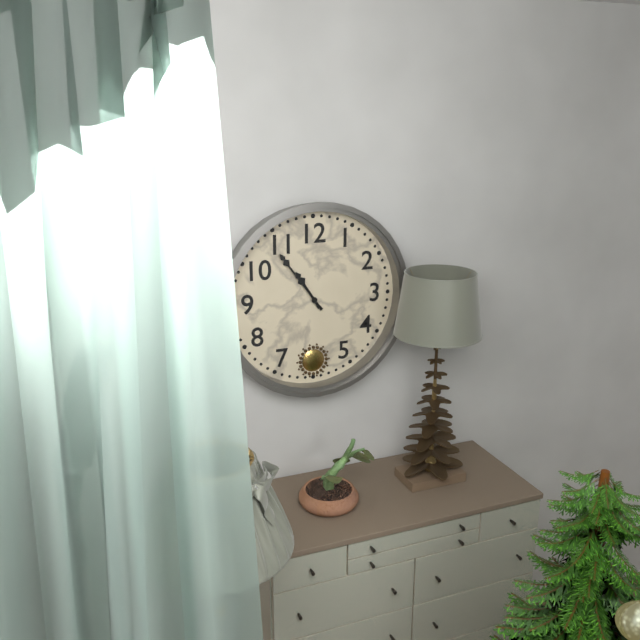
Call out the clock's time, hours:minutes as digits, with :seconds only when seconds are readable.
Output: 10:54
